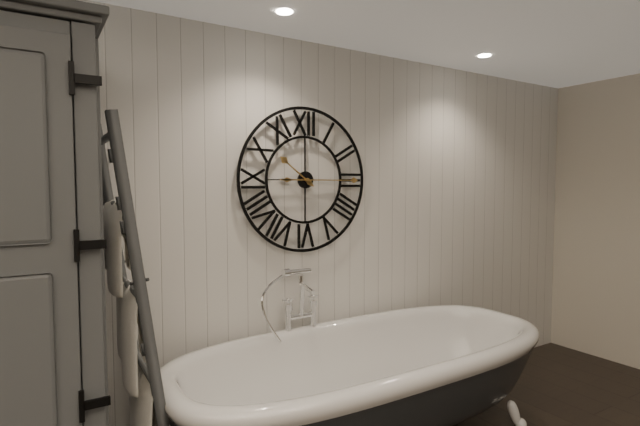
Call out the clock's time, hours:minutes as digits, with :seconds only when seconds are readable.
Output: 10:15
